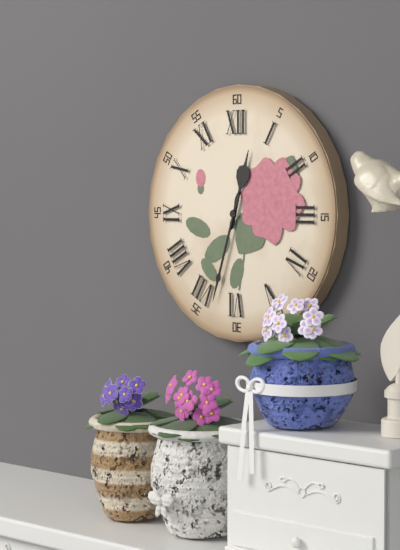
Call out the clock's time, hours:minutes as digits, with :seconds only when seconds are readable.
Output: 12:33
